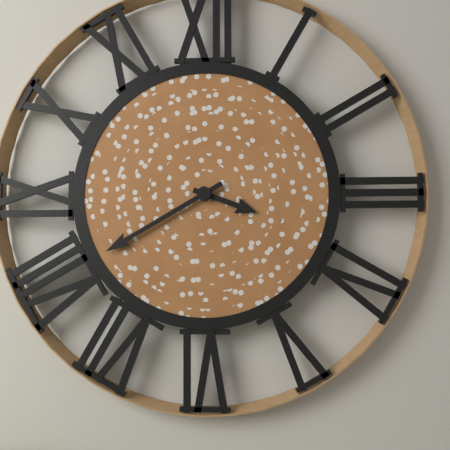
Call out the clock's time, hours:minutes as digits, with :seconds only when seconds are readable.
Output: 3:40
